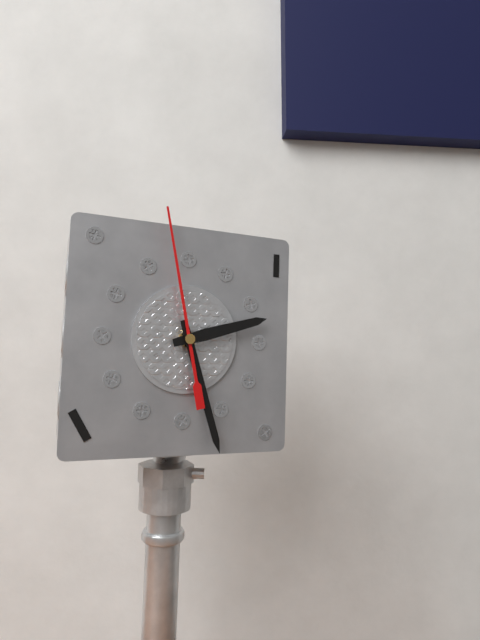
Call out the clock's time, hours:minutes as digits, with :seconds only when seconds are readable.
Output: 2:27:58
